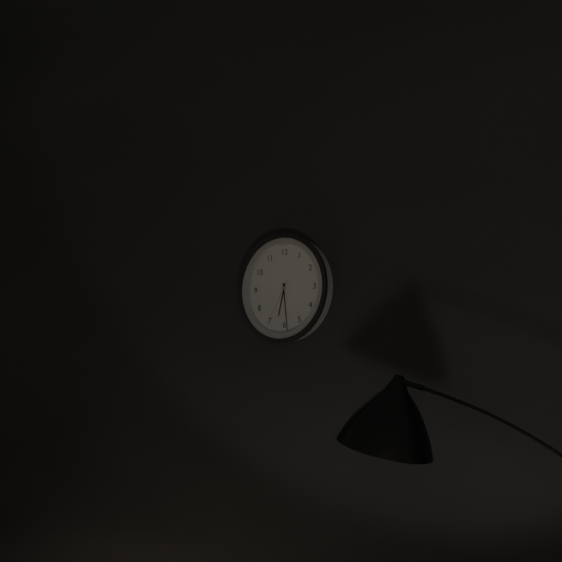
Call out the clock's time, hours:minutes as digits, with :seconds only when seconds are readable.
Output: 6:29:35
